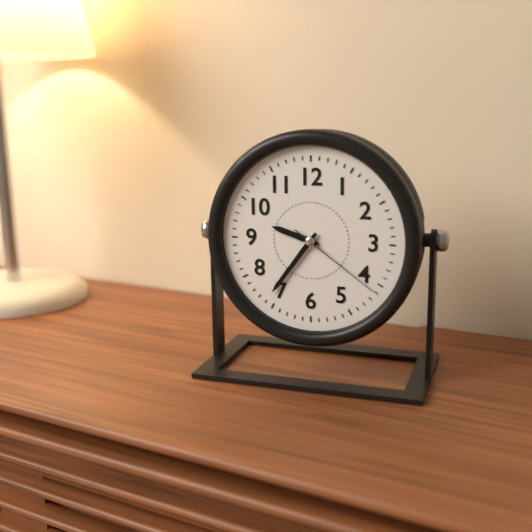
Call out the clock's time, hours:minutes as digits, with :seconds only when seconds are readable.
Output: 9:36:21
